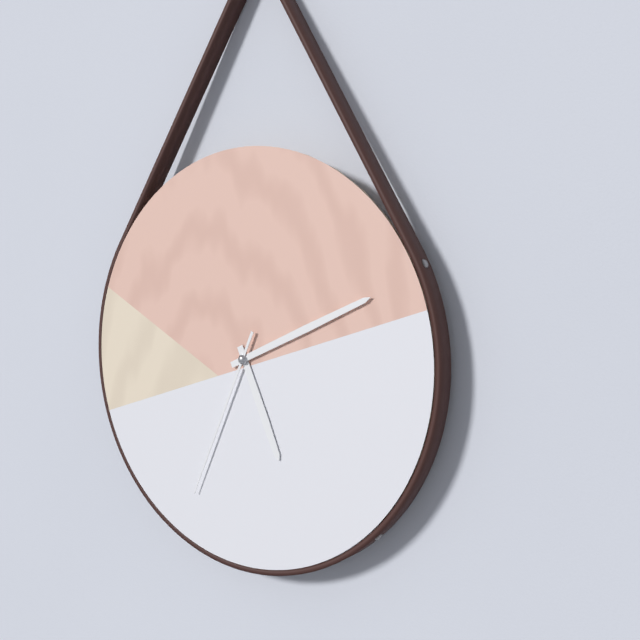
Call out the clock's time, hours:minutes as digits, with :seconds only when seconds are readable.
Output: 5:11:34
